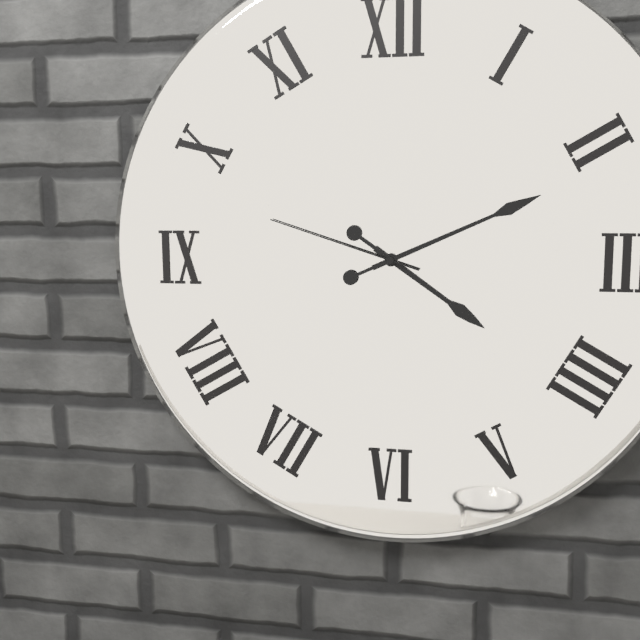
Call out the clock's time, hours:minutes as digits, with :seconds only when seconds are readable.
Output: 4:11:48
